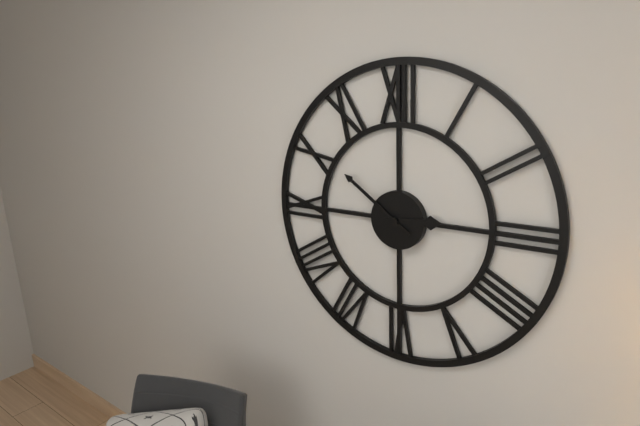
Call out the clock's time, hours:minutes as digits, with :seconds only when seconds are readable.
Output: 2:51
